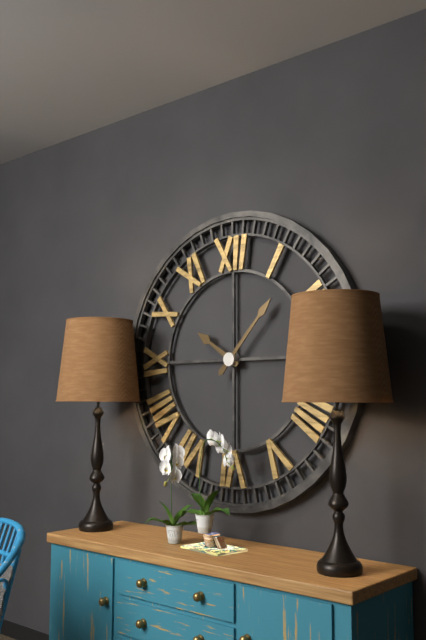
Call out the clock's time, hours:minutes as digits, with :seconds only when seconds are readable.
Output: 10:07
